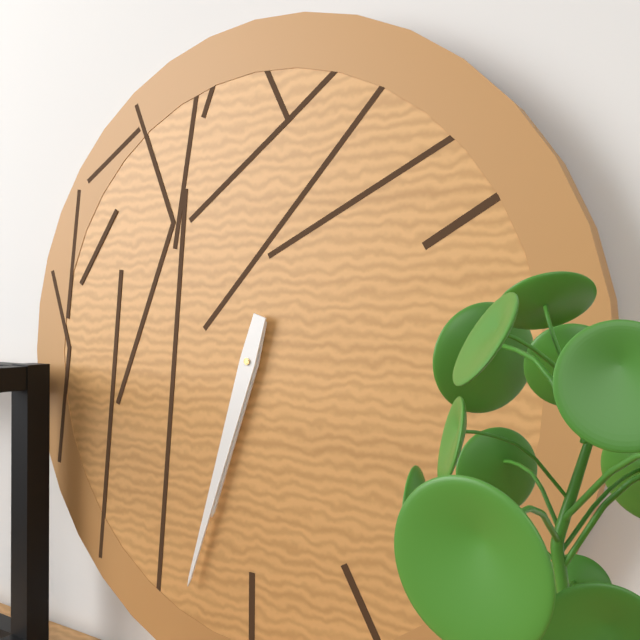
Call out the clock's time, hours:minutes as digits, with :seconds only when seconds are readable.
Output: 6:33
